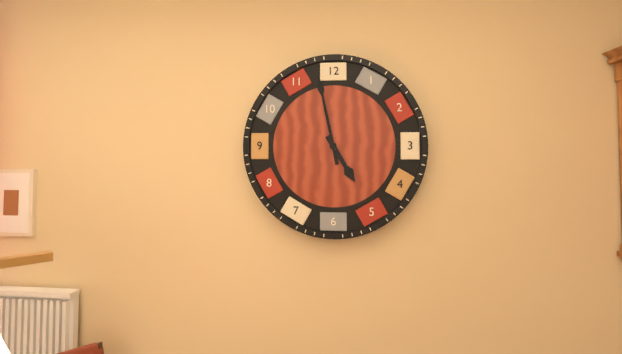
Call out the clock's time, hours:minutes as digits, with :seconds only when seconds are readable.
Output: 4:58
